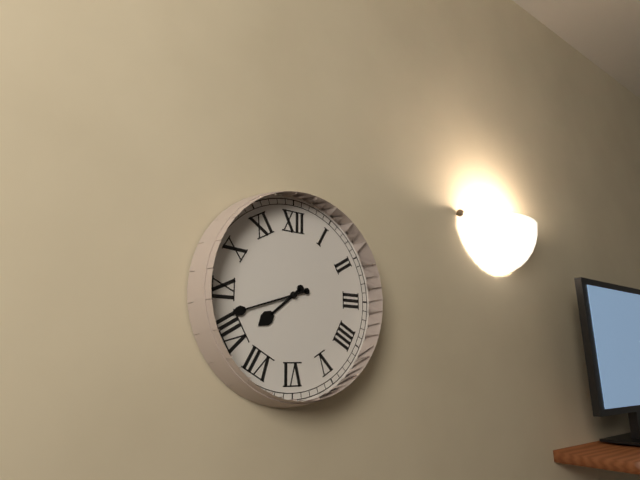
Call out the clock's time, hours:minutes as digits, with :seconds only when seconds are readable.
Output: 7:42
